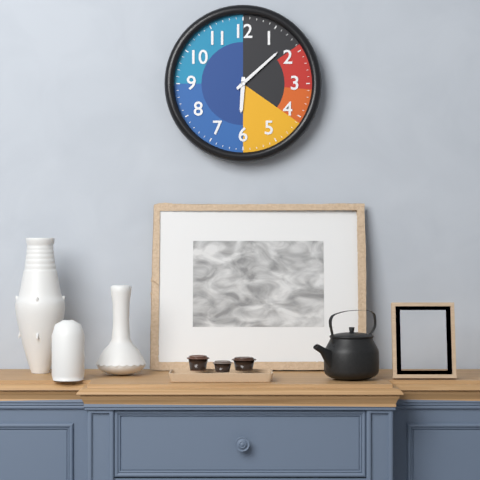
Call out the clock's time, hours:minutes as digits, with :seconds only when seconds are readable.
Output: 6:08
